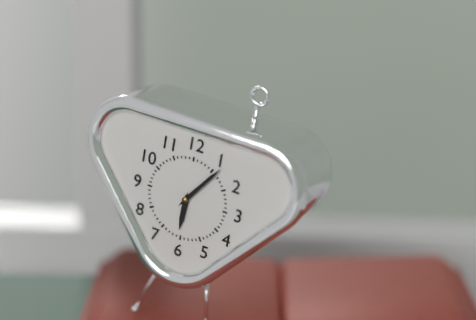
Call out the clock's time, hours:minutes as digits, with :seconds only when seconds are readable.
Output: 6:06
